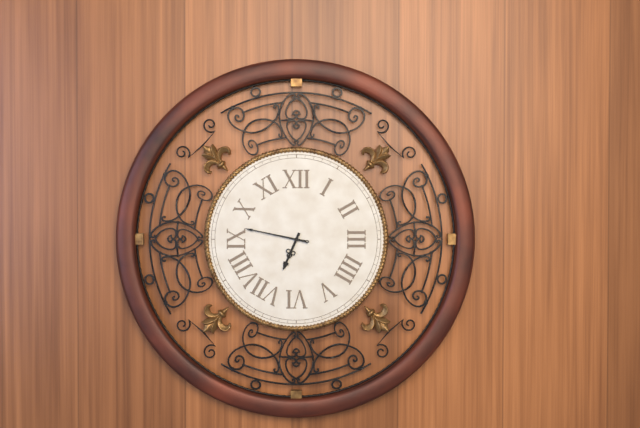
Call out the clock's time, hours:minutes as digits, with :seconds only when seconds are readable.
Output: 6:47
